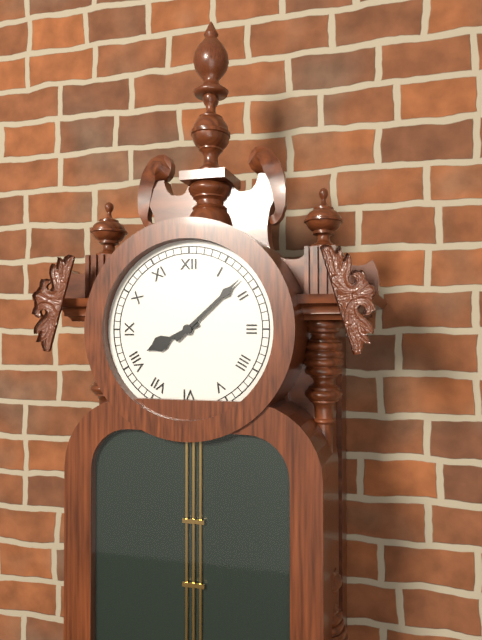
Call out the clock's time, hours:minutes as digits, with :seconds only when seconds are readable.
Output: 8:08
